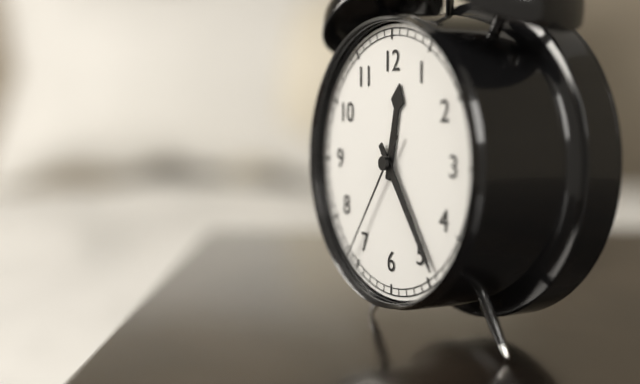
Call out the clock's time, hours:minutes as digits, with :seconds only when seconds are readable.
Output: 12:24:36
